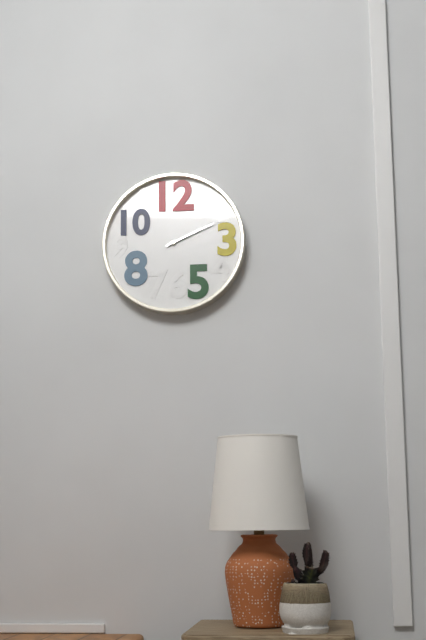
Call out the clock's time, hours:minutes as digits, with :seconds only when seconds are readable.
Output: 2:11
